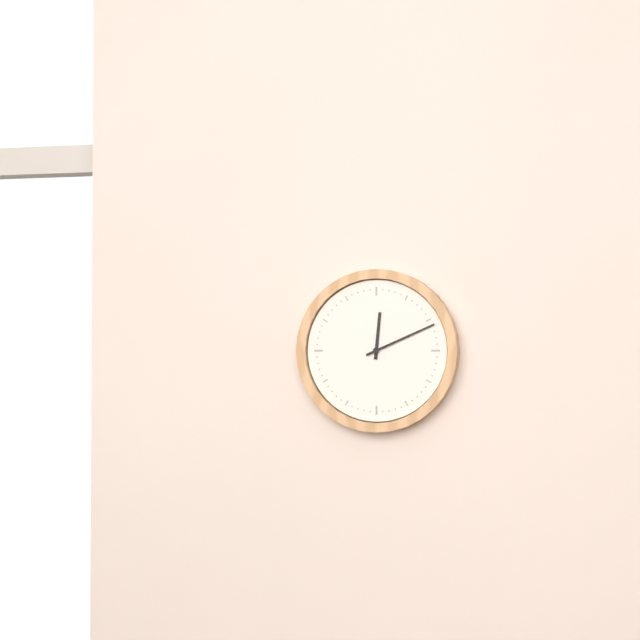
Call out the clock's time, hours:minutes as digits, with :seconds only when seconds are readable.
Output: 12:11
